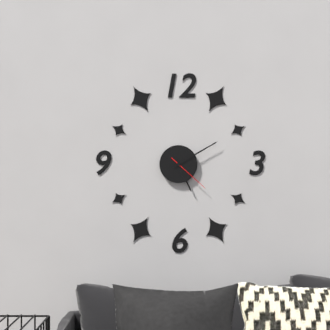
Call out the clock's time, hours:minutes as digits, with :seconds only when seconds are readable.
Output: 5:10
